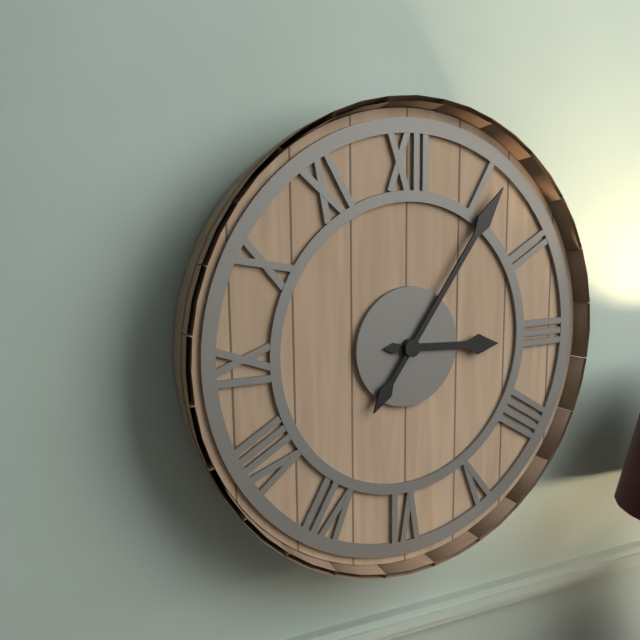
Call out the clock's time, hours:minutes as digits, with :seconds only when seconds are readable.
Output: 3:06
